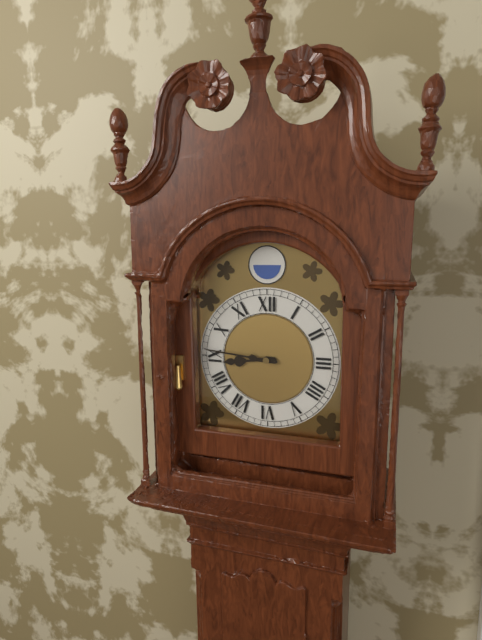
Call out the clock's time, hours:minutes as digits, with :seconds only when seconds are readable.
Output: 8:46
